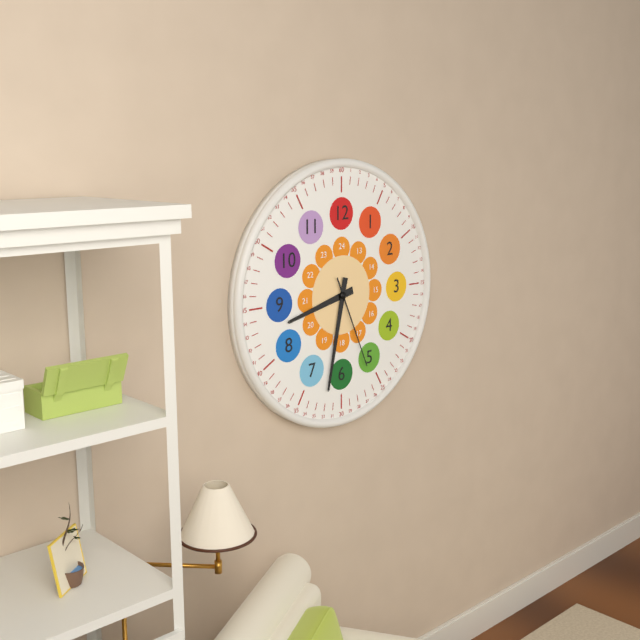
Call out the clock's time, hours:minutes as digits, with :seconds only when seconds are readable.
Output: 8:32:26
